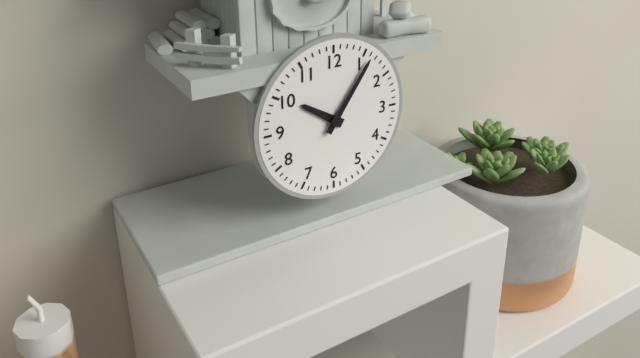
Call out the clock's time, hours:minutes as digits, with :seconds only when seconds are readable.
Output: 10:06
